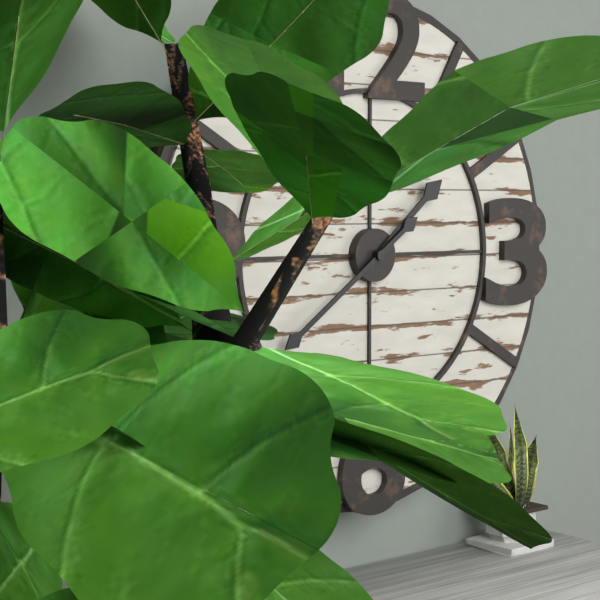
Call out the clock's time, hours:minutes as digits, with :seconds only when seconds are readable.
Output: 1:39
